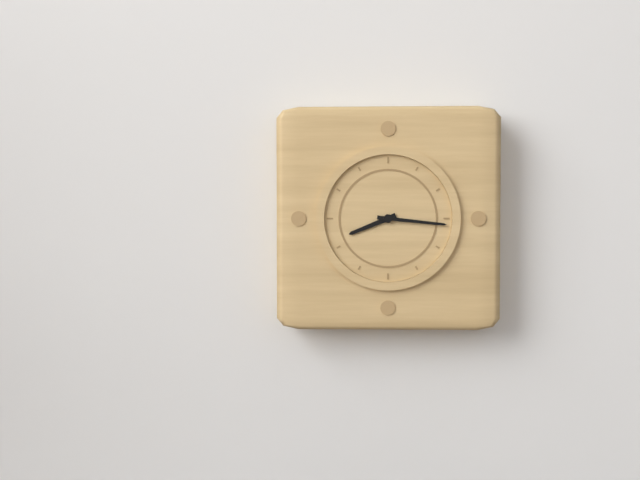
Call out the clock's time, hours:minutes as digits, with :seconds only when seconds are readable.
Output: 8:16
